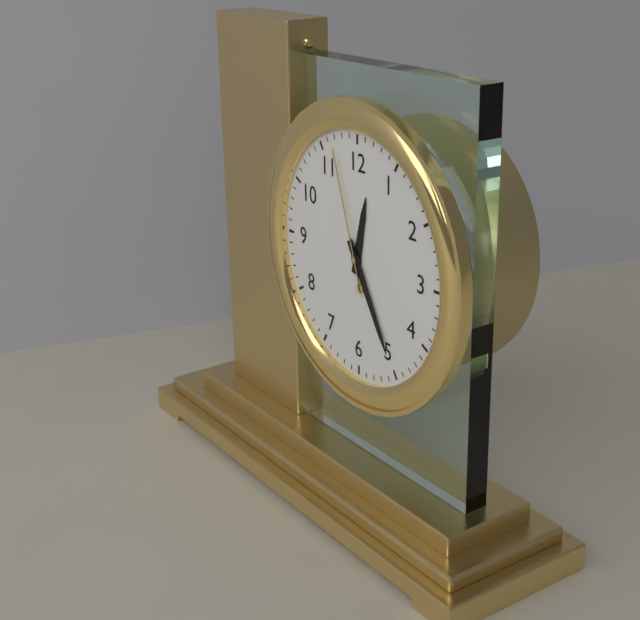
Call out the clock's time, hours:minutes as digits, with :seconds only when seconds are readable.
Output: 12:25:57
